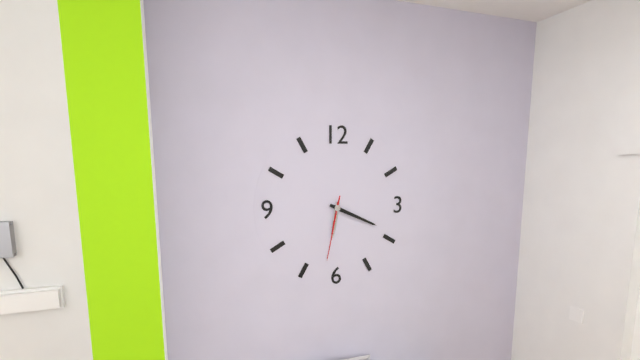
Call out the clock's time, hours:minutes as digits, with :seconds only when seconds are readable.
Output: 6:19:32
